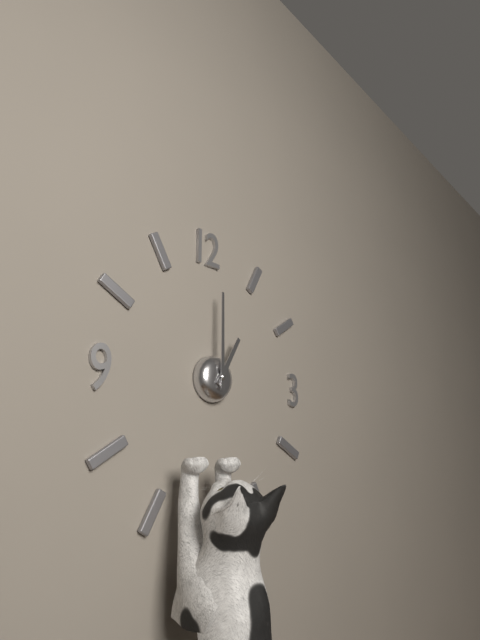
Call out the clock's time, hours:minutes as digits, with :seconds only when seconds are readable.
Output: 1:00
